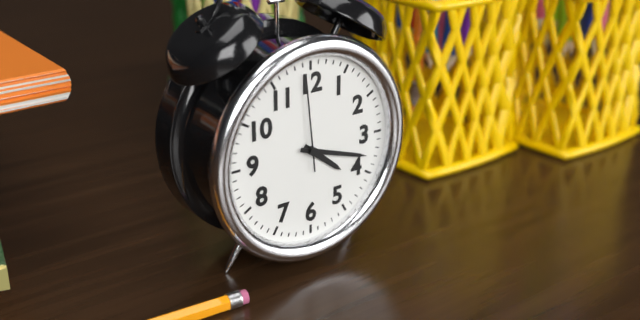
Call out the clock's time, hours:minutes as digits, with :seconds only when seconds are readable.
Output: 4:18:59
